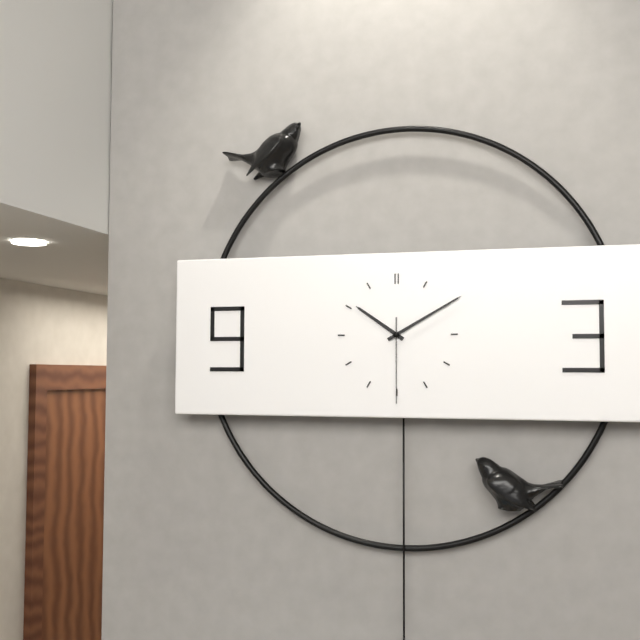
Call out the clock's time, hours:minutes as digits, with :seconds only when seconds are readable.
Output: 10:10:30
